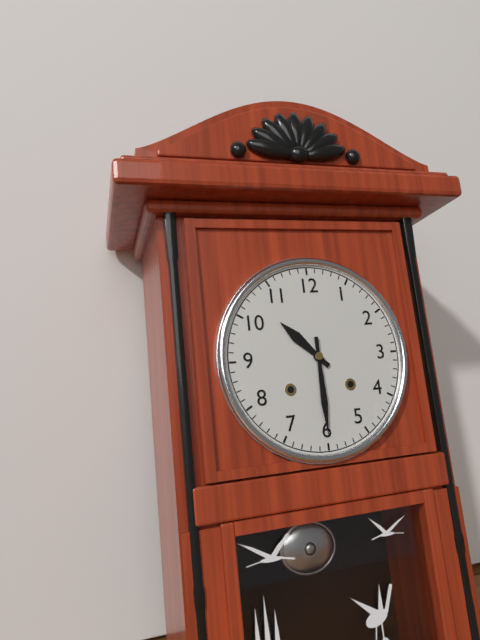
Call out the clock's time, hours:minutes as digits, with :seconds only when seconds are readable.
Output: 10:30
